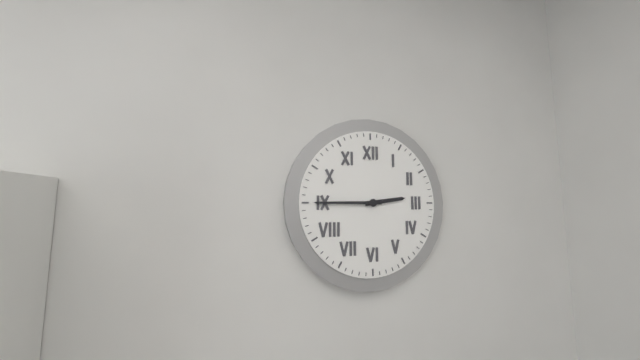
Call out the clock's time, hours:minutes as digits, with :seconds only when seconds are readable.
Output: 2:45
